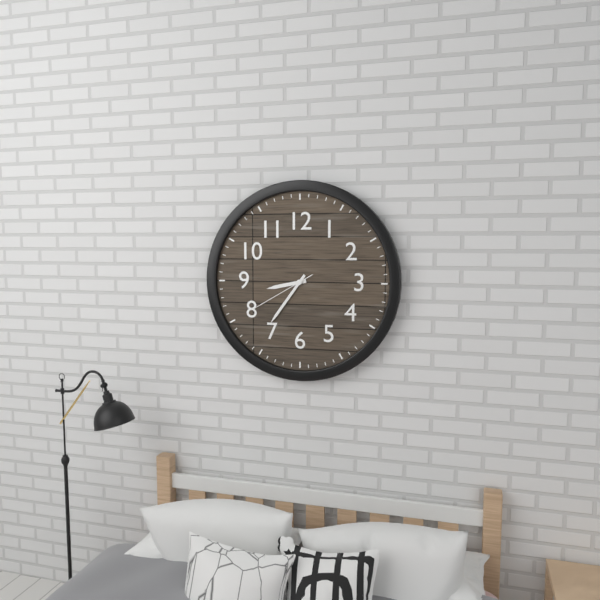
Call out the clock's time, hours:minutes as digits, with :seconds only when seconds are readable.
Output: 8:36:40
